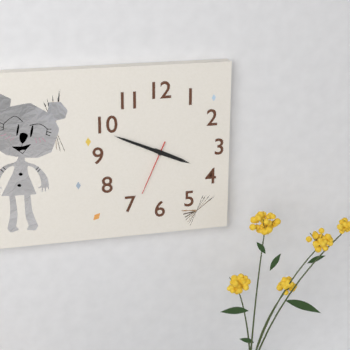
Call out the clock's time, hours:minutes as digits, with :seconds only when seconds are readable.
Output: 3:49:34
